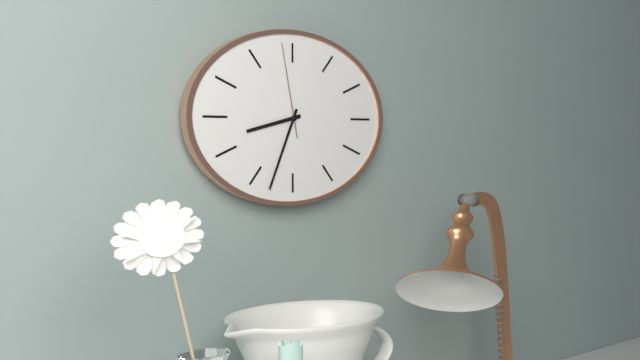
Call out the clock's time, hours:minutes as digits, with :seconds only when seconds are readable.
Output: 8:34:58
